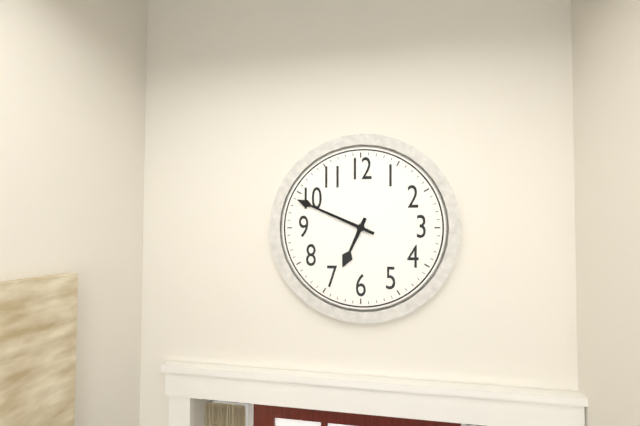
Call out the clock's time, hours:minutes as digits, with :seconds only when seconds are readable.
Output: 6:49
